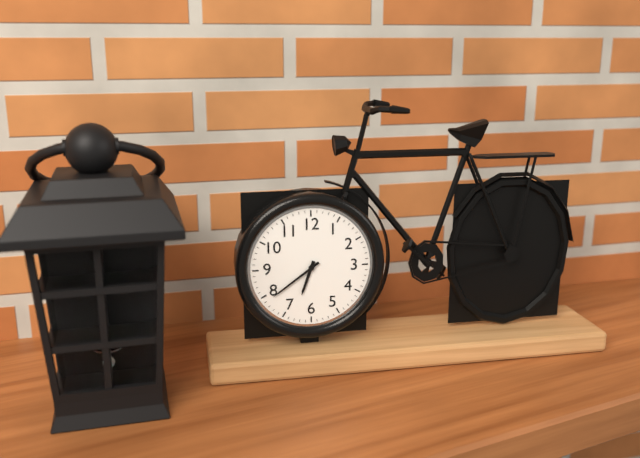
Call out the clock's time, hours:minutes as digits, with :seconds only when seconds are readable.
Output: 6:39
